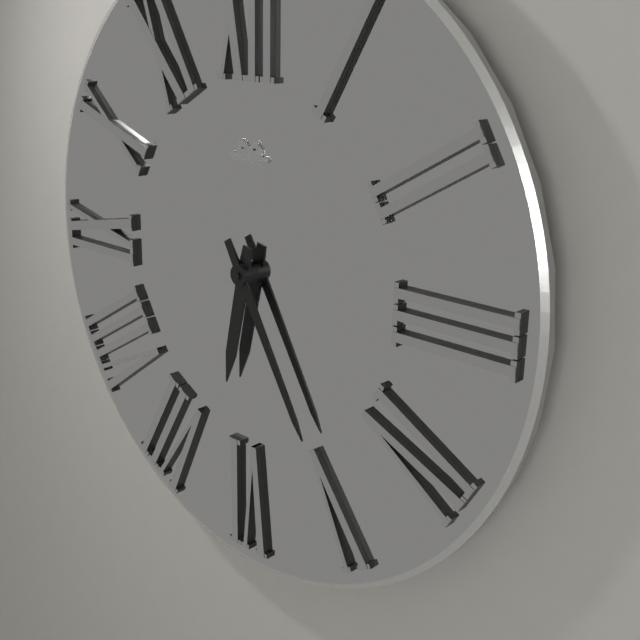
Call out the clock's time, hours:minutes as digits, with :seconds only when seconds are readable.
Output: 6:25
